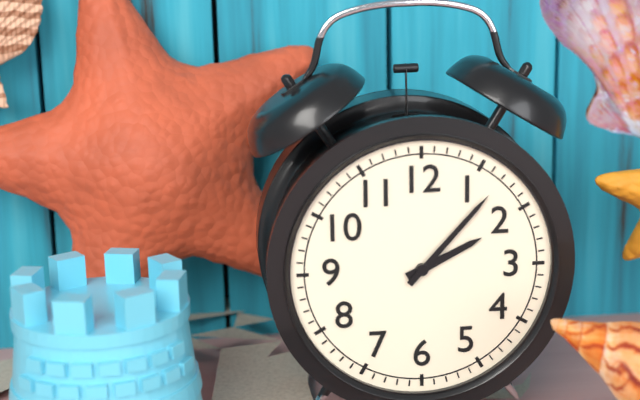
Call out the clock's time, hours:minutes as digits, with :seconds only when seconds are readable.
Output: 2:07
